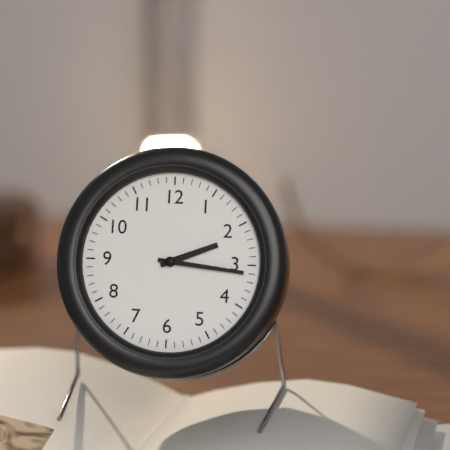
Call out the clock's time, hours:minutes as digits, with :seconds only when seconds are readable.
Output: 2:16
